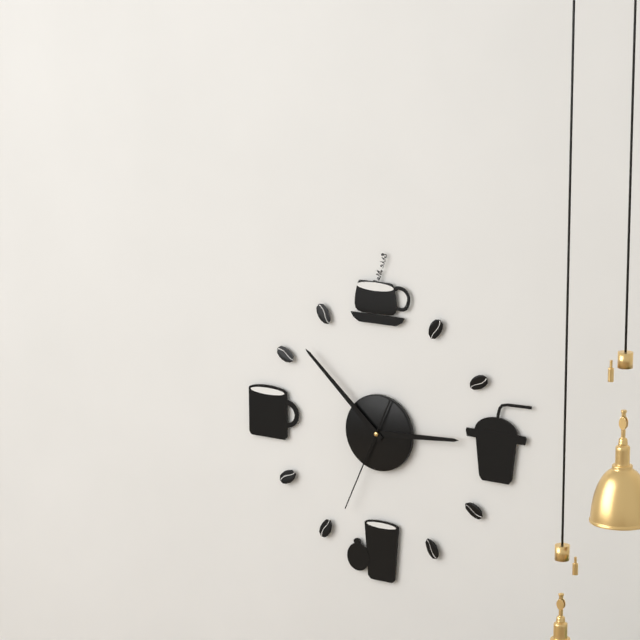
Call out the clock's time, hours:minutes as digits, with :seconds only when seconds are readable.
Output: 2:52:34
